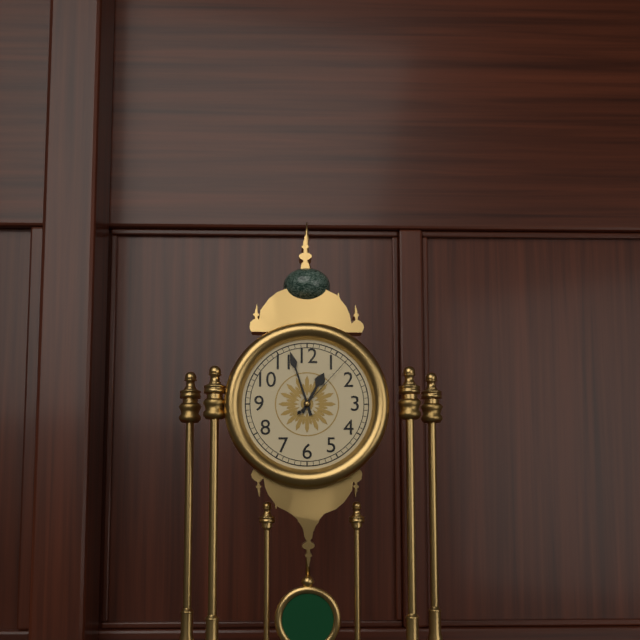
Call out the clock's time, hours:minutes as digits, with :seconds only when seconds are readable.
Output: 12:57:07
